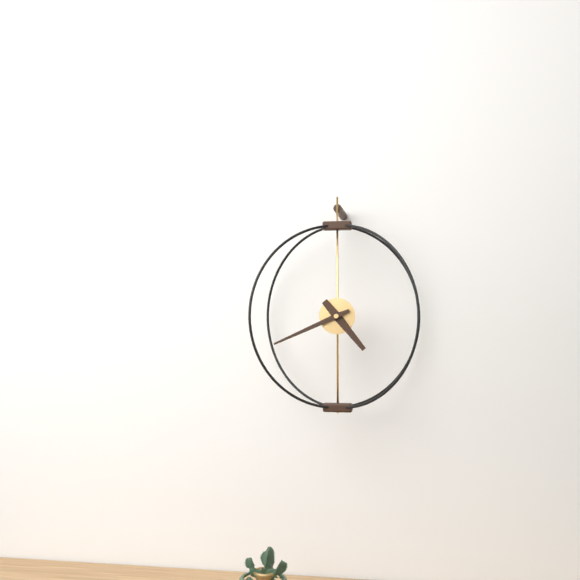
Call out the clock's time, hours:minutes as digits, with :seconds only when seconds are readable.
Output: 4:41
